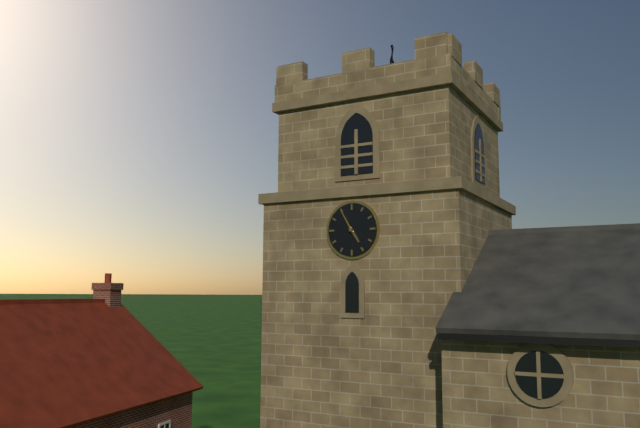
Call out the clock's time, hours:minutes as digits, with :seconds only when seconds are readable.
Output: 4:55
